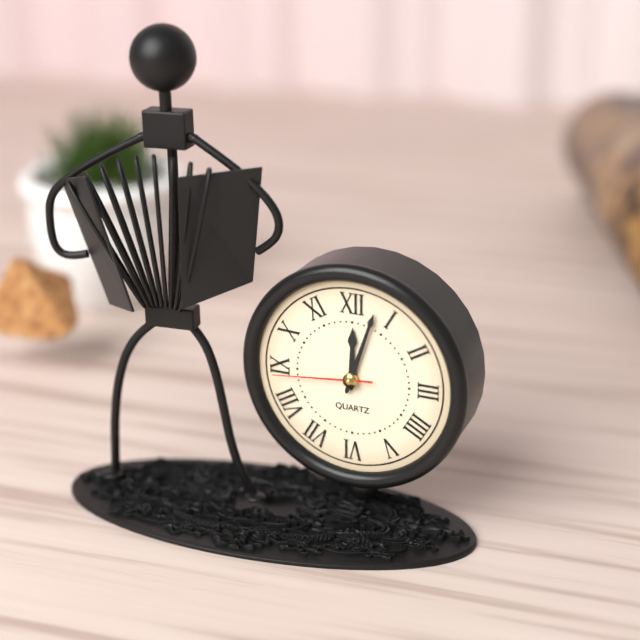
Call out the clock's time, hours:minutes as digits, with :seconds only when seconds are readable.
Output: 12:03:44
